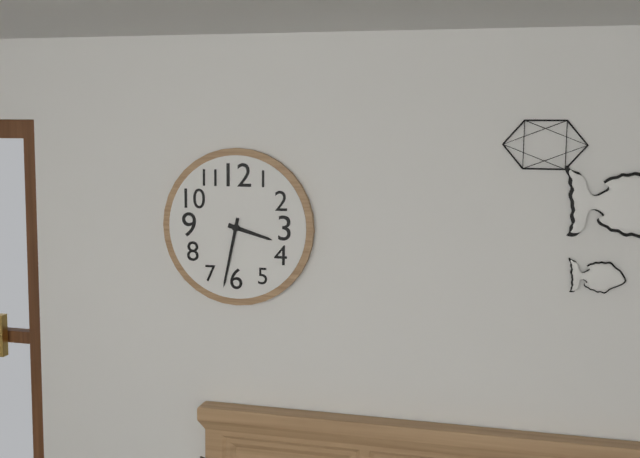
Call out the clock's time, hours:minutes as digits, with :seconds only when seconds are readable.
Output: 3:32
